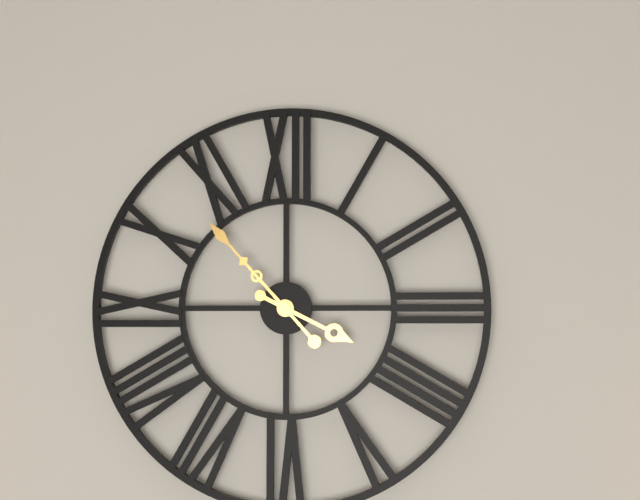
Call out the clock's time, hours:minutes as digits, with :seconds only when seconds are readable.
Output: 3:53
